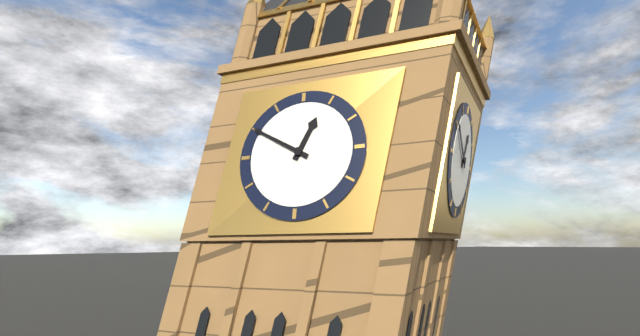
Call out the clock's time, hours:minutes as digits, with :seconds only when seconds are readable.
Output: 12:50
